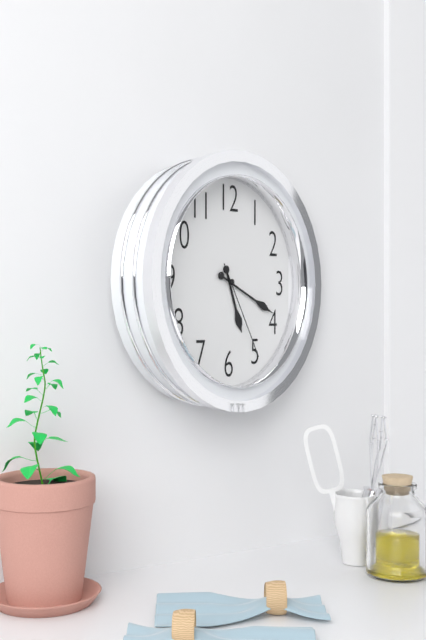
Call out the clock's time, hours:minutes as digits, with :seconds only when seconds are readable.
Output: 5:19:25
